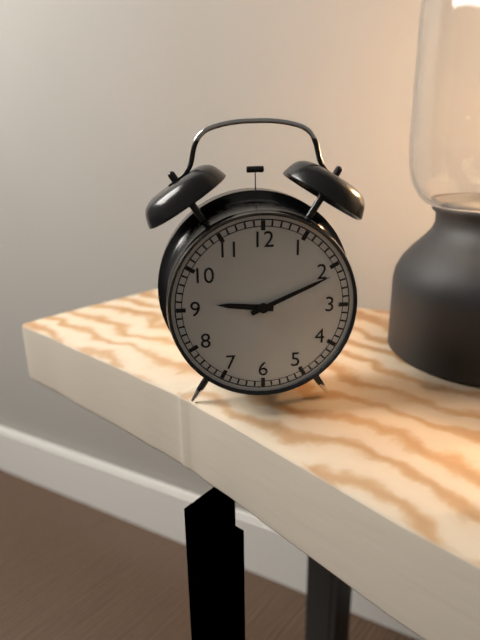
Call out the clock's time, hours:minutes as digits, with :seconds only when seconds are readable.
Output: 9:11
